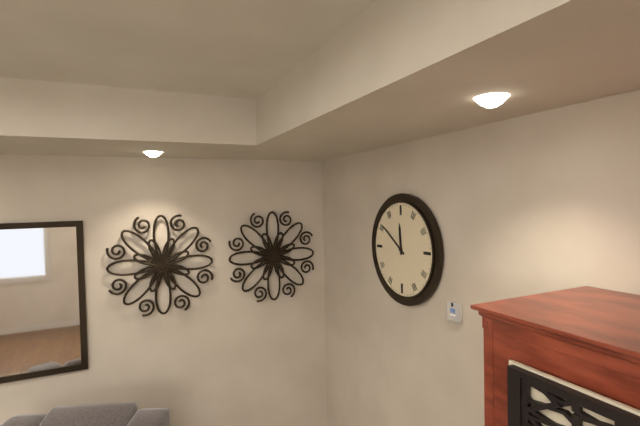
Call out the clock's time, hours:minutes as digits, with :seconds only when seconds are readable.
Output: 11:51
